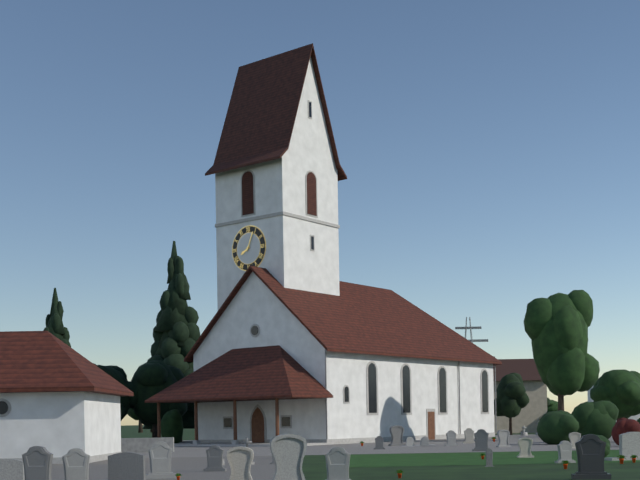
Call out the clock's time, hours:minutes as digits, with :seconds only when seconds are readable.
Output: 8:04
